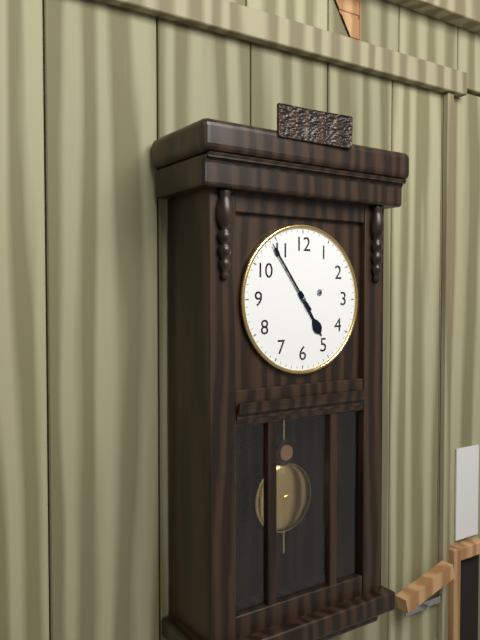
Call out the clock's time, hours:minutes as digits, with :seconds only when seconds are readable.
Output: 4:54
